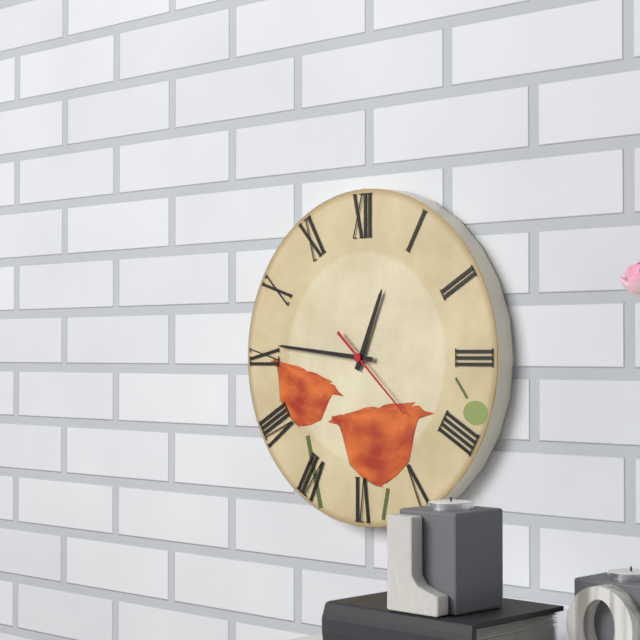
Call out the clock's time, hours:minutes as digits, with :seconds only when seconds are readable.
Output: 12:46:22
